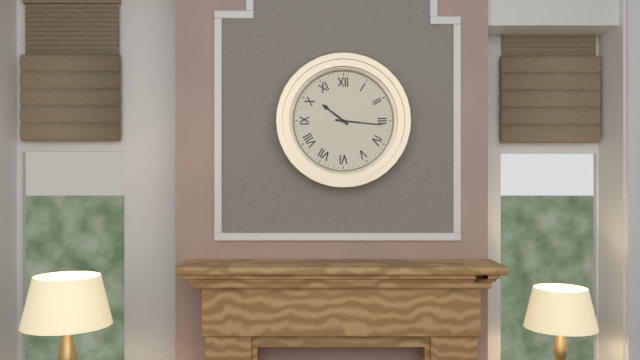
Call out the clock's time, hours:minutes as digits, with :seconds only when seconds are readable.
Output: 10:16
